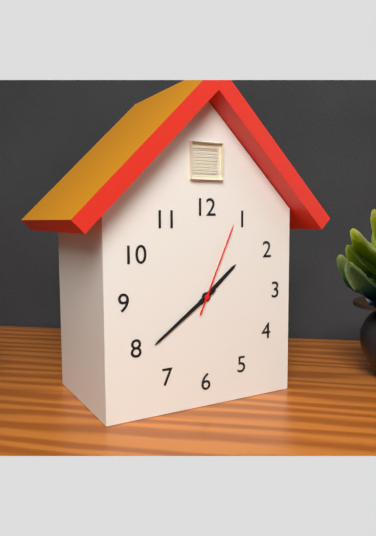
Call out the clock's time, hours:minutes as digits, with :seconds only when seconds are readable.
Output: 1:39:04
